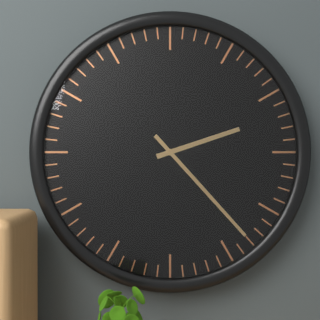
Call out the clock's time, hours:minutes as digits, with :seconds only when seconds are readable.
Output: 2:23
